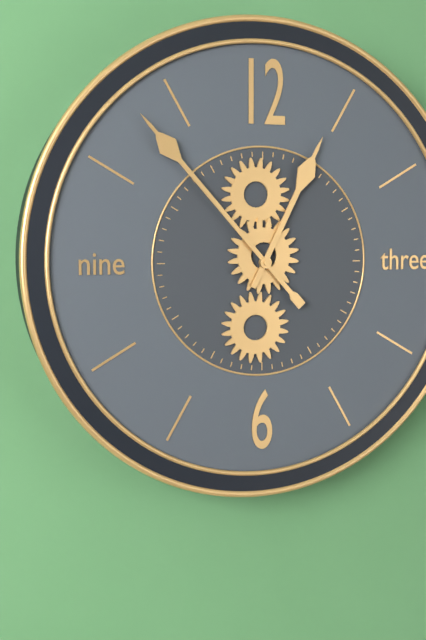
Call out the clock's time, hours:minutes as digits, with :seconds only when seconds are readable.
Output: 12:53
